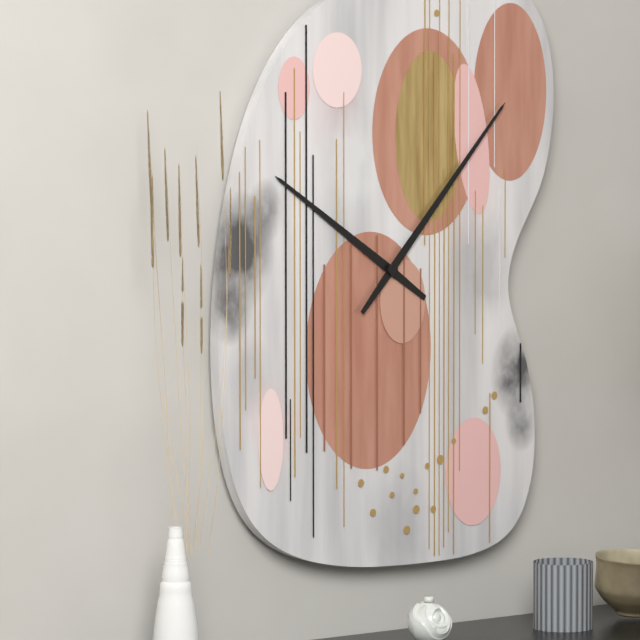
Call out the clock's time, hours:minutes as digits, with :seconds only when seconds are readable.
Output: 10:07
